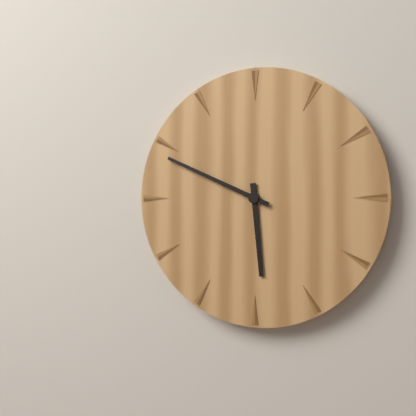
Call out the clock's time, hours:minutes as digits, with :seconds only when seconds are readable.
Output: 5:49
